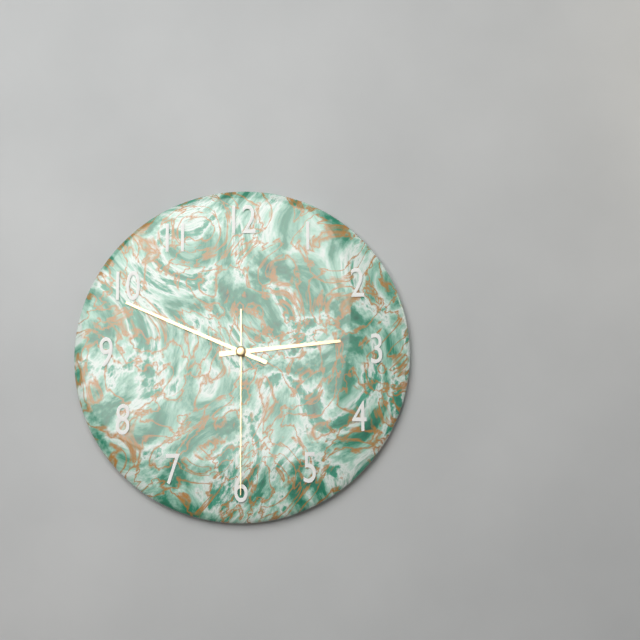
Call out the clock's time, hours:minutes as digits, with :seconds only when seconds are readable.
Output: 2:49:30
